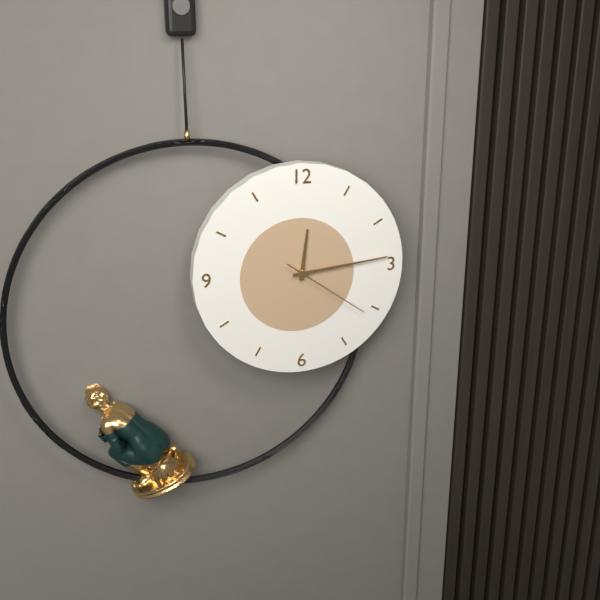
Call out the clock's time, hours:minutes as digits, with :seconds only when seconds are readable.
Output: 12:14:21
